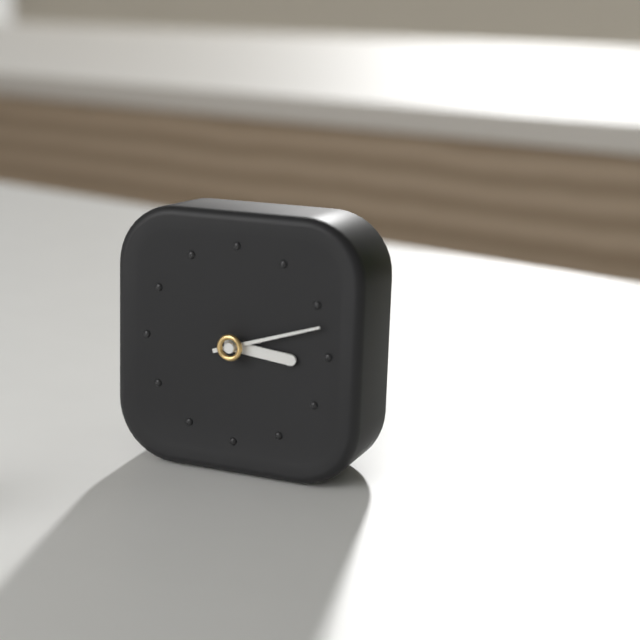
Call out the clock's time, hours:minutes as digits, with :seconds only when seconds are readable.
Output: 3:12
